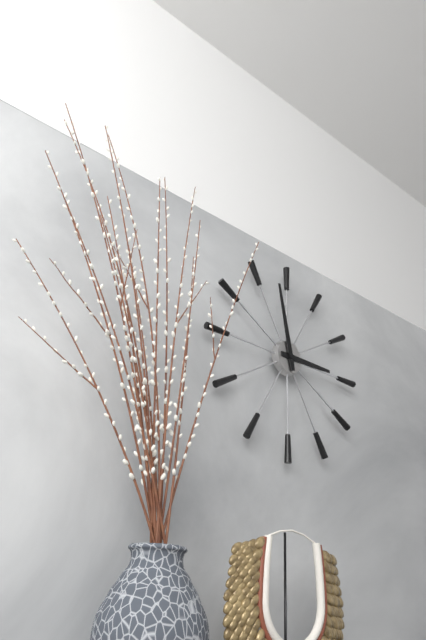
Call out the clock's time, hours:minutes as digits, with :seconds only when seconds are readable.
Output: 2:58
